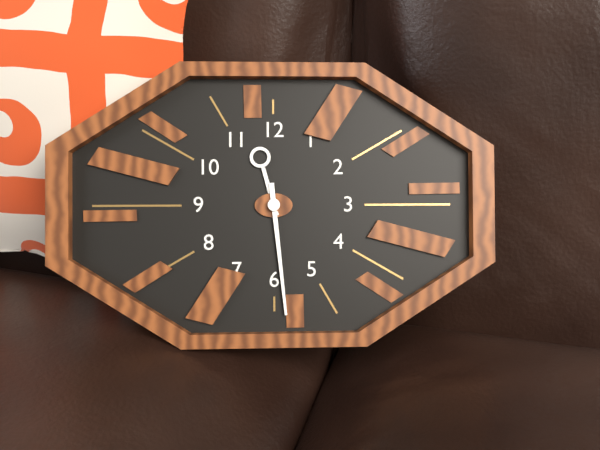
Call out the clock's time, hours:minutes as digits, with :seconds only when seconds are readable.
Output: 11:29
